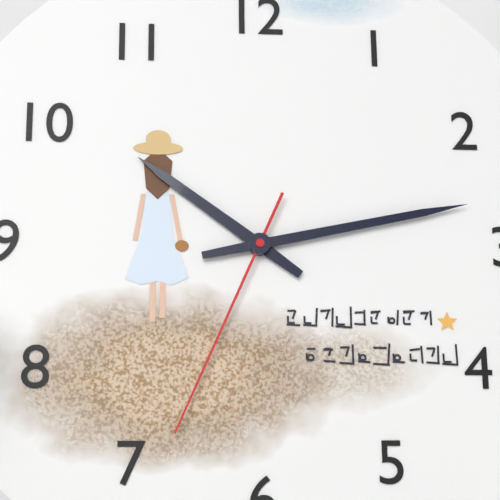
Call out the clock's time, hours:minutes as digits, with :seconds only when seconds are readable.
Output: 10:13:34
